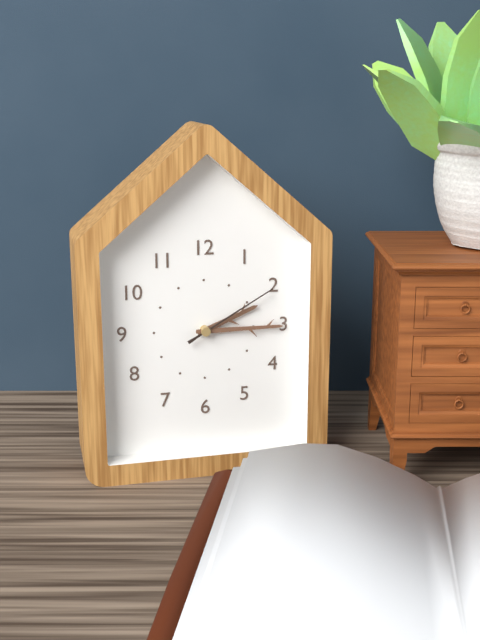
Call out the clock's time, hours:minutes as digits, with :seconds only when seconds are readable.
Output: 2:15:10
